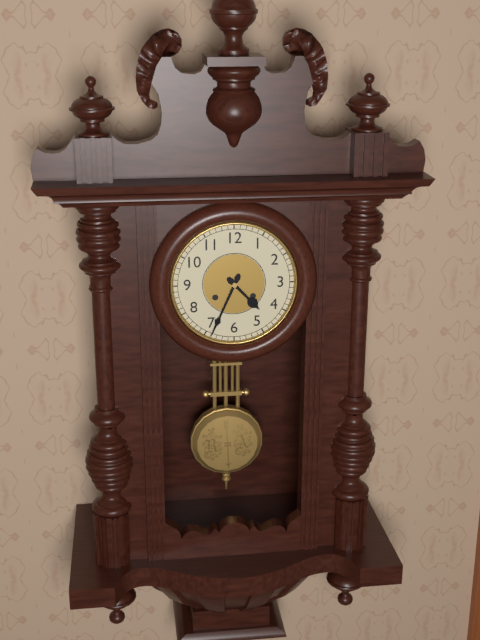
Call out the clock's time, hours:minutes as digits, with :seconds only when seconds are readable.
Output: 4:34
